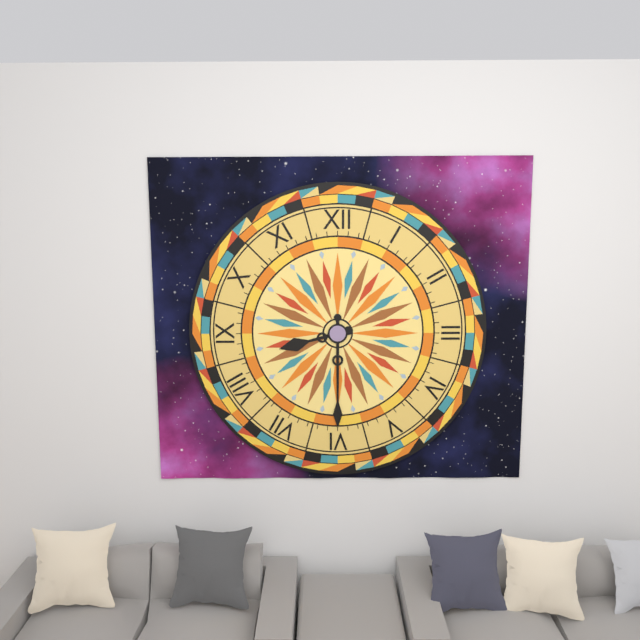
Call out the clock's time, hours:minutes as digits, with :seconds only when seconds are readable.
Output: 8:30
